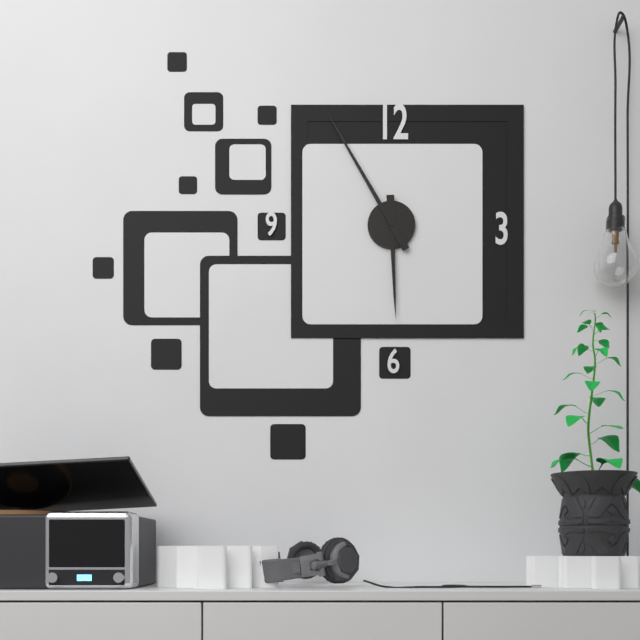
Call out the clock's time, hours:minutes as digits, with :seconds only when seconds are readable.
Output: 5:55
